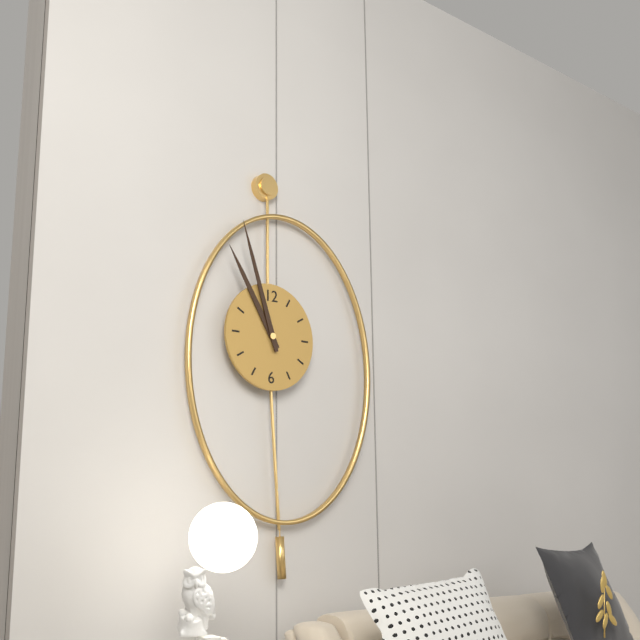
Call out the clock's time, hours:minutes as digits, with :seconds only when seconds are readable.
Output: 10:57
